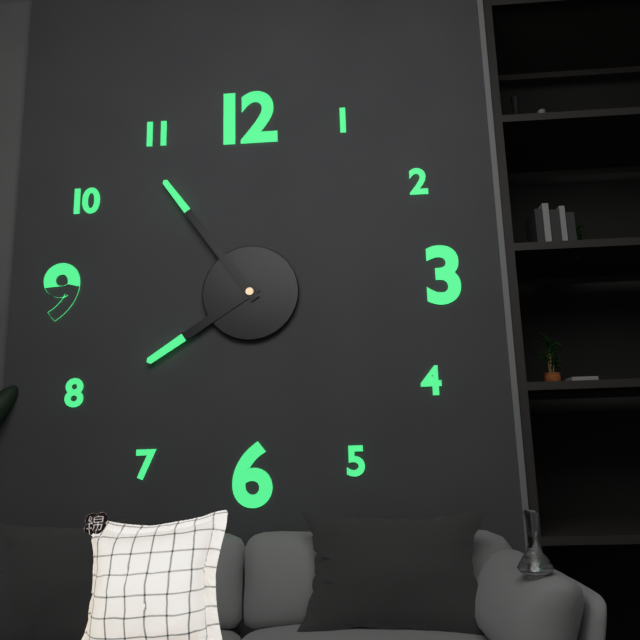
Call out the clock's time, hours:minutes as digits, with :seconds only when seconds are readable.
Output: 7:54
